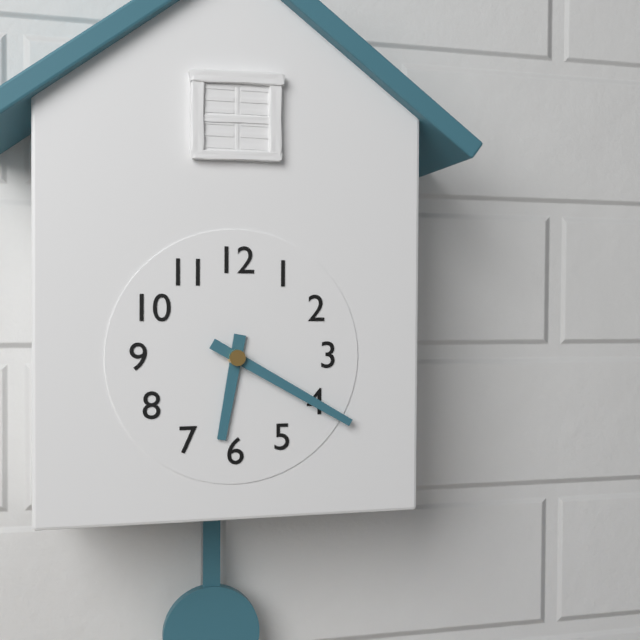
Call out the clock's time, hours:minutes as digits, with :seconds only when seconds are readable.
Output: 6:20
